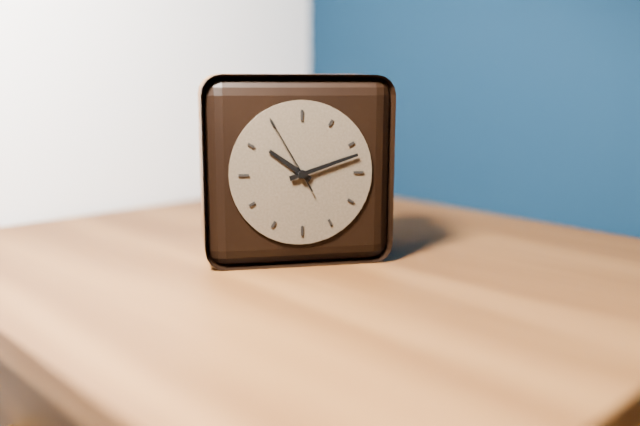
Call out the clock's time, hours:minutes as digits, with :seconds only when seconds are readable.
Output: 10:12:55
